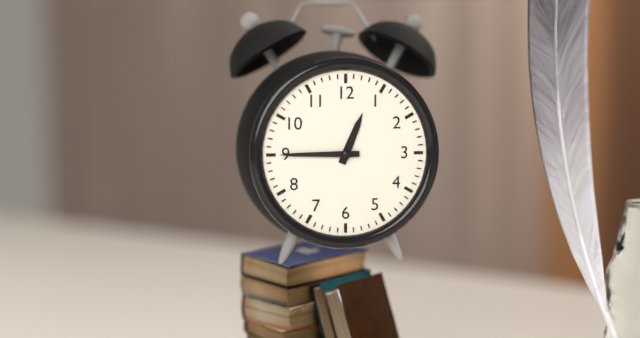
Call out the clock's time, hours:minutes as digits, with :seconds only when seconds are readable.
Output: 12:45
